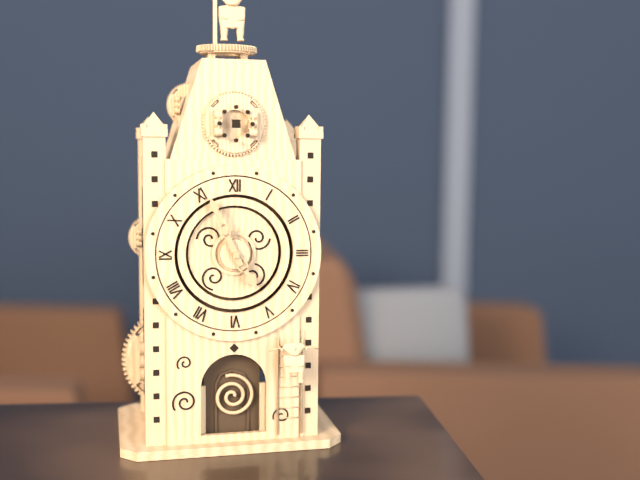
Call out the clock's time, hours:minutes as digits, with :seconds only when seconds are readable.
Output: 4:56
